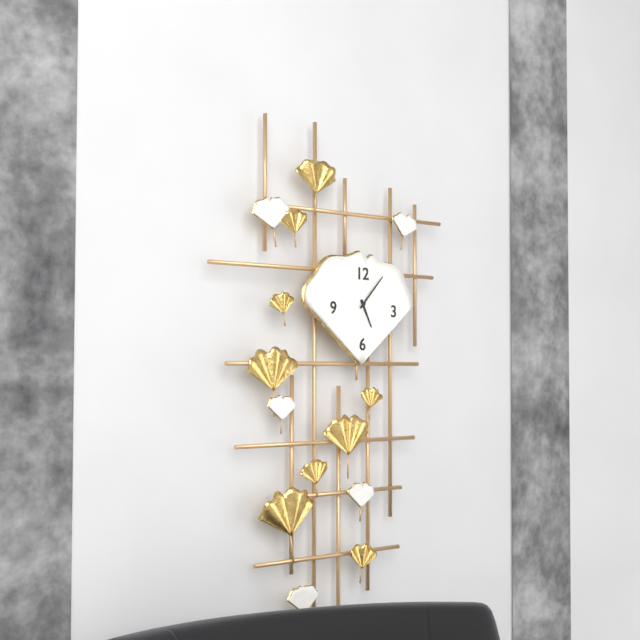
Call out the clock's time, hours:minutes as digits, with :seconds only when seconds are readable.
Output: 5:07
